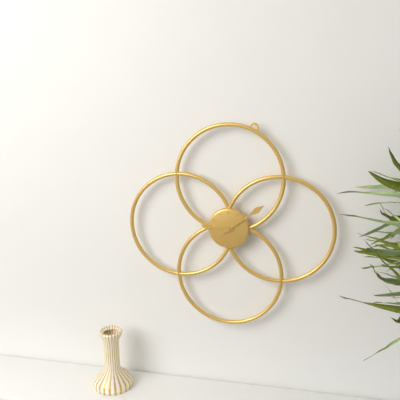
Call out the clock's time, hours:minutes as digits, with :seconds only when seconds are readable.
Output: 9:09
